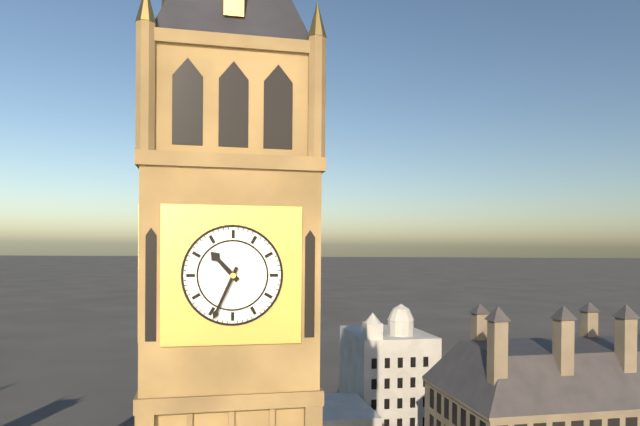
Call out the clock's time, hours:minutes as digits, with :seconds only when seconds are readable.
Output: 10:34
